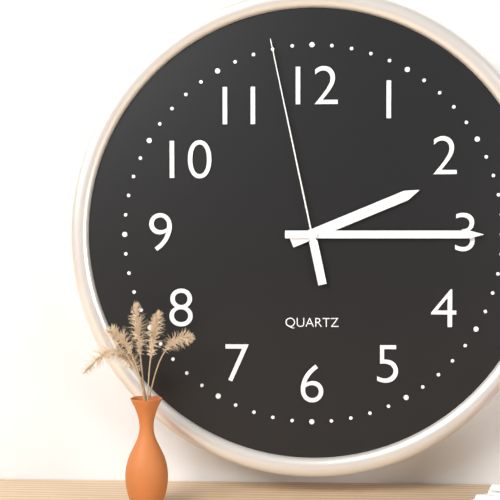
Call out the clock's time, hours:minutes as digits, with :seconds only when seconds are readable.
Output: 2:15:58
